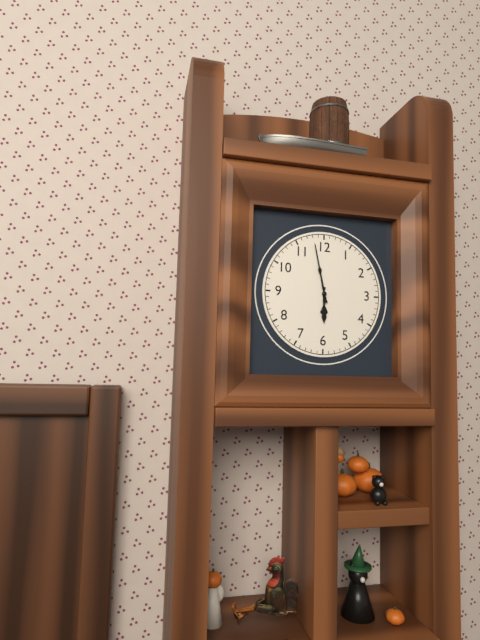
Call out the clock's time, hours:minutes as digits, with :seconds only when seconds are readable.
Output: 5:58
